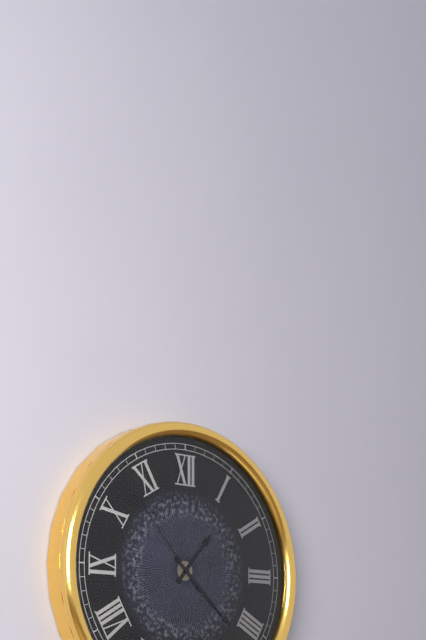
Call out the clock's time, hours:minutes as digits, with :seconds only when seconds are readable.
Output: 1:22:53
